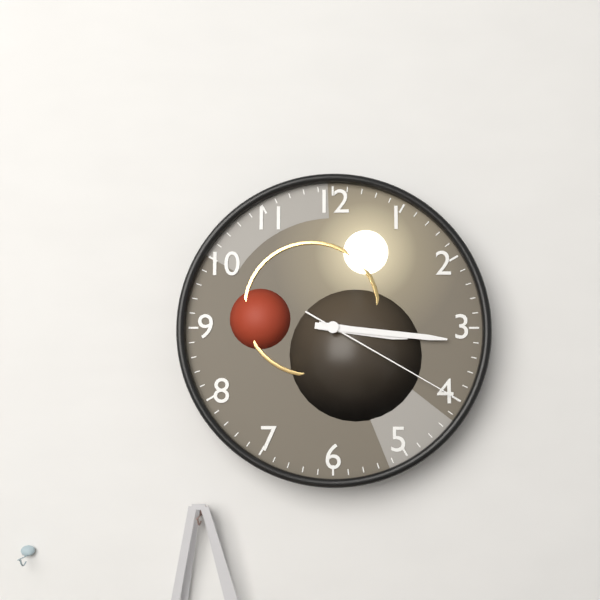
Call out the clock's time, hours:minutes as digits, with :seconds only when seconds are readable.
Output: 3:16:20
